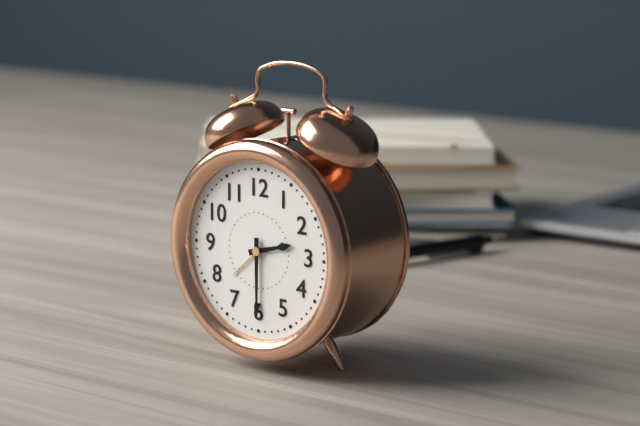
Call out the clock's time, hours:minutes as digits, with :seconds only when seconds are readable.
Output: 2:30
